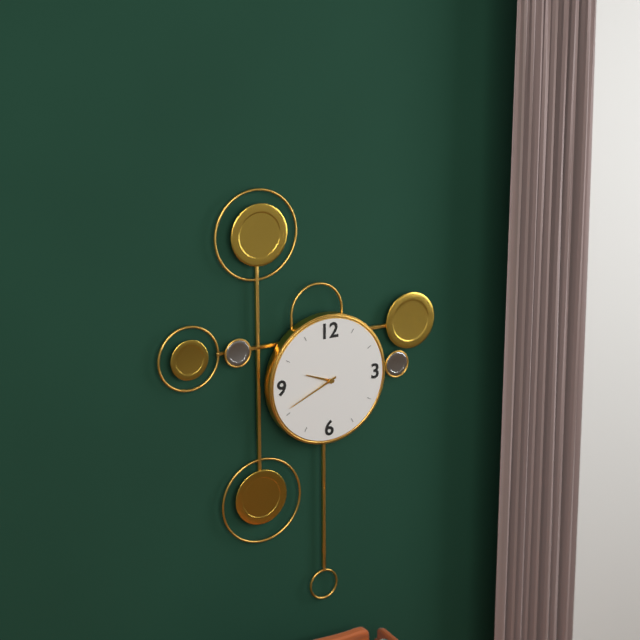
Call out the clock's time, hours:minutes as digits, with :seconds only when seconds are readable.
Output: 9:41
